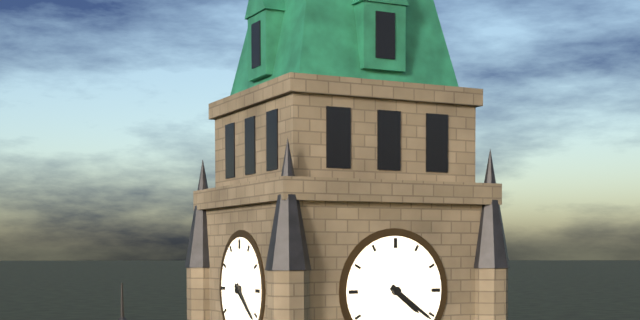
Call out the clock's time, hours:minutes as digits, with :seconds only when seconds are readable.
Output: 4:21
